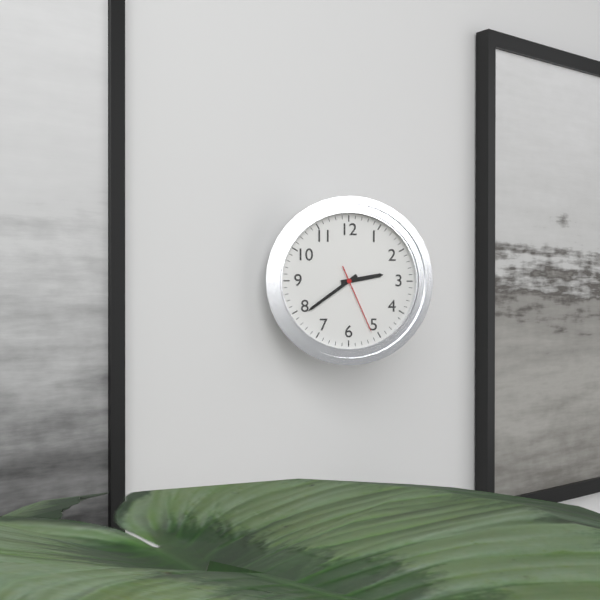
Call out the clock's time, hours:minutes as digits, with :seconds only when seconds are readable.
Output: 2:39:26
